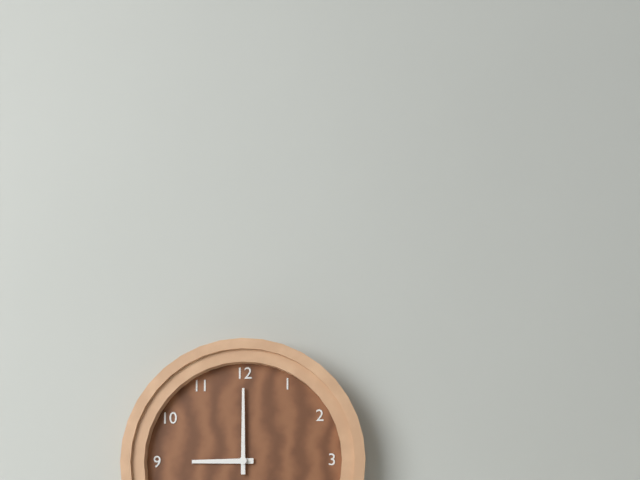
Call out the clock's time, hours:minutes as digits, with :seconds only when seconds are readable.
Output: 9:00
